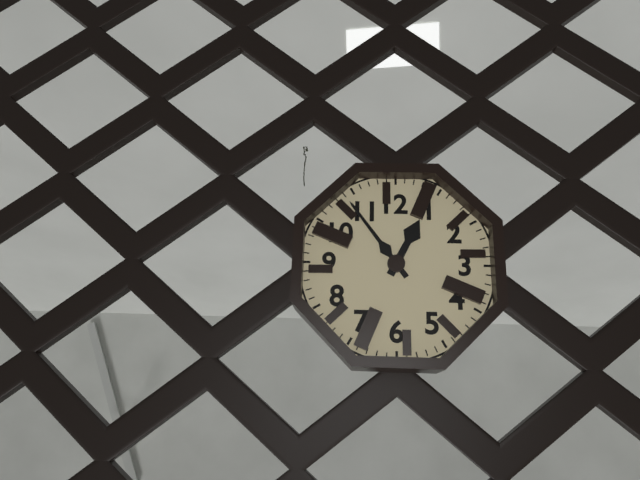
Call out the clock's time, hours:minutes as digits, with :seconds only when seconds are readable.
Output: 12:54
